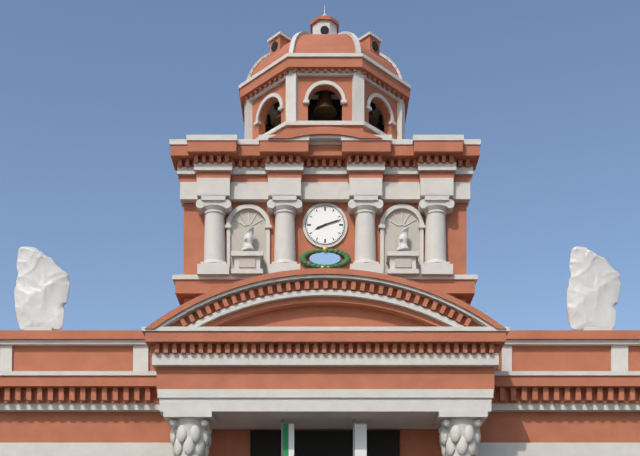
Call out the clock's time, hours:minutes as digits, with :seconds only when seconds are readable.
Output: 8:12
